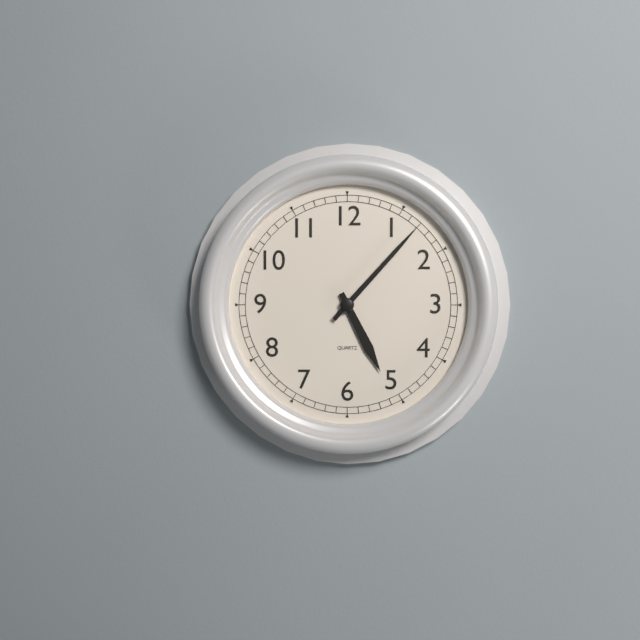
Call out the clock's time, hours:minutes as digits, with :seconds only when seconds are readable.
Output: 5:07
